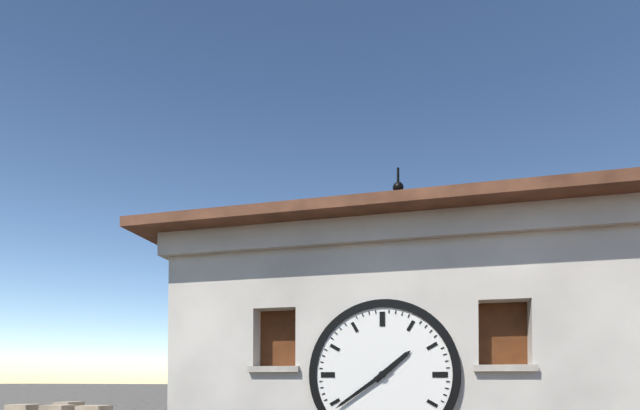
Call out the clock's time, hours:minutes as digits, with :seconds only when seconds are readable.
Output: 1:39
